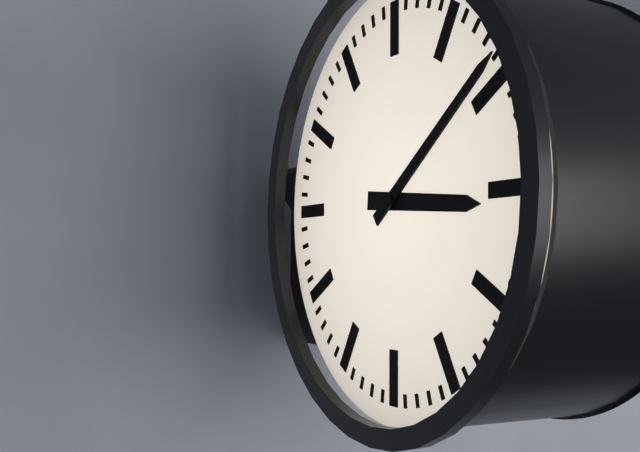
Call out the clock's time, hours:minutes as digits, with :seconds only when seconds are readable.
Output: 3:09
